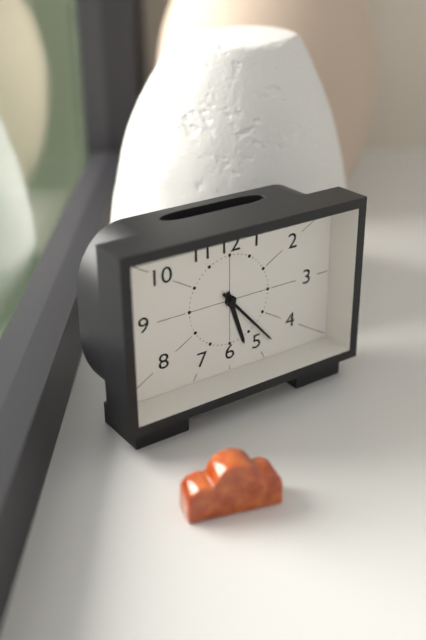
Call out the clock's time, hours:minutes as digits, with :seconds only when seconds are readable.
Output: 5:23
